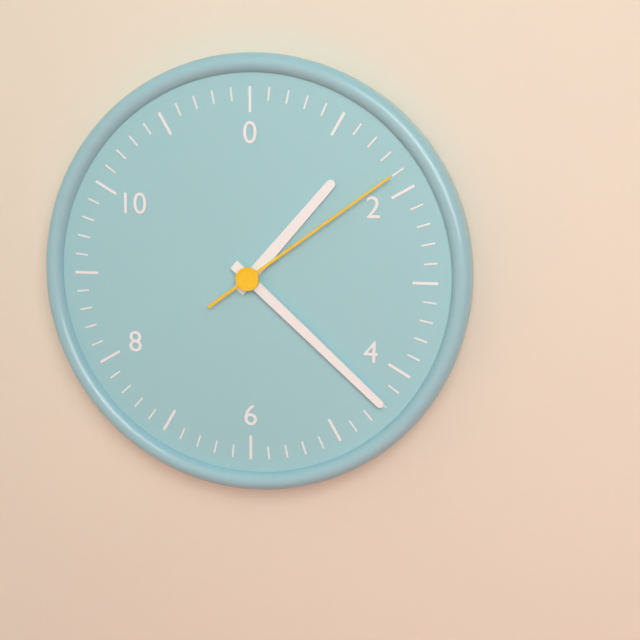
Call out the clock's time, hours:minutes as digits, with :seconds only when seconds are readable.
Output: 1:22:09
